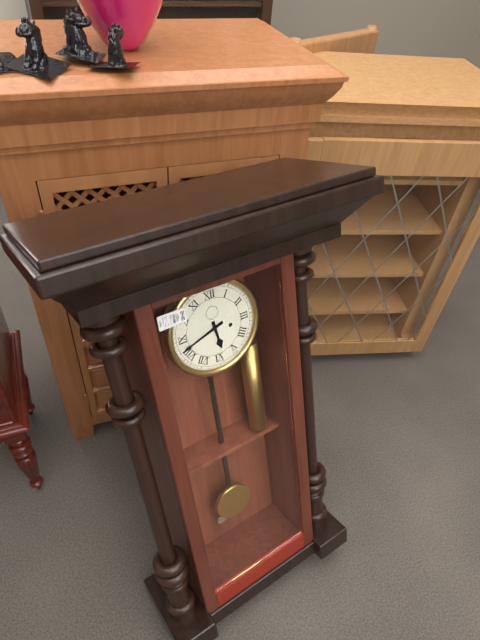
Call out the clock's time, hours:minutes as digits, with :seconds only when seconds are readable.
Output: 5:42
